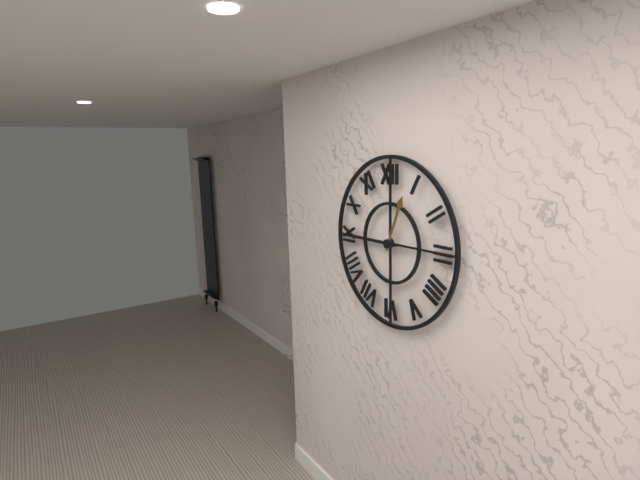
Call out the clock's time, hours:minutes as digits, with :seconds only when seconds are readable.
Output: 12:45
